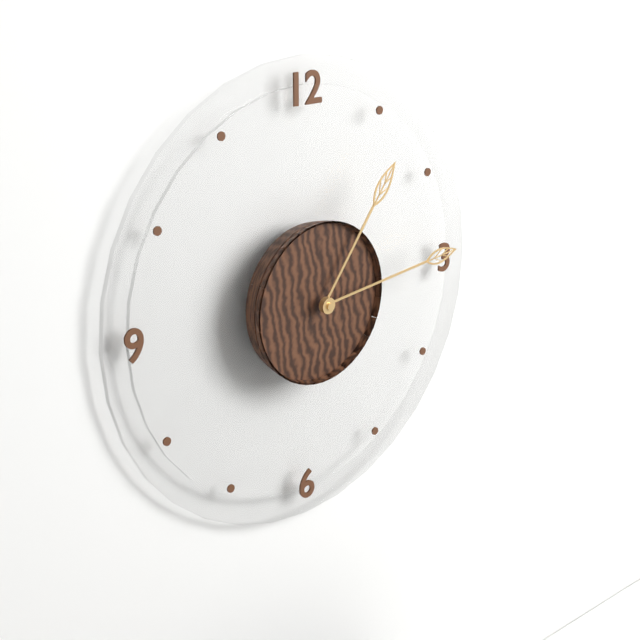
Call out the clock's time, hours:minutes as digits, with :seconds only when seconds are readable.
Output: 1:14
